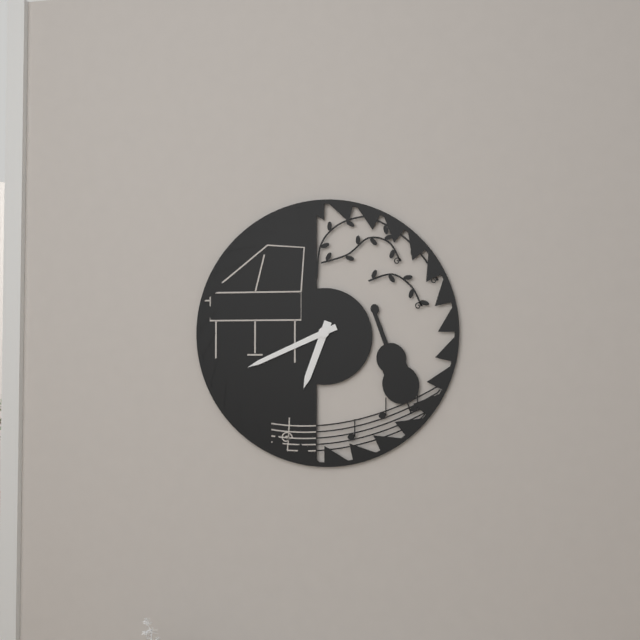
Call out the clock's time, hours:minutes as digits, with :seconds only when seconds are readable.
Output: 6:41
